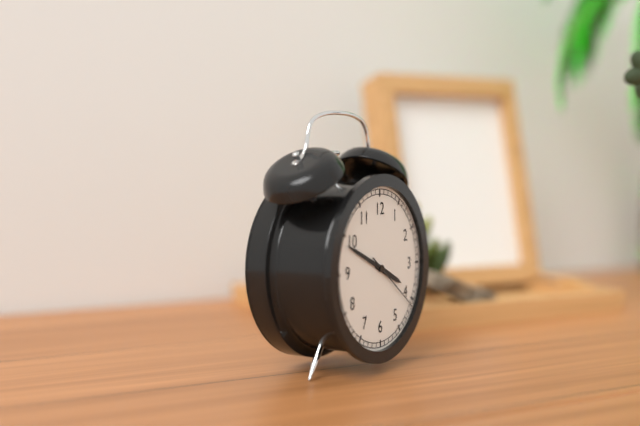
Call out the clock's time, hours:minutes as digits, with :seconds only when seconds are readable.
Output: 3:49:21
